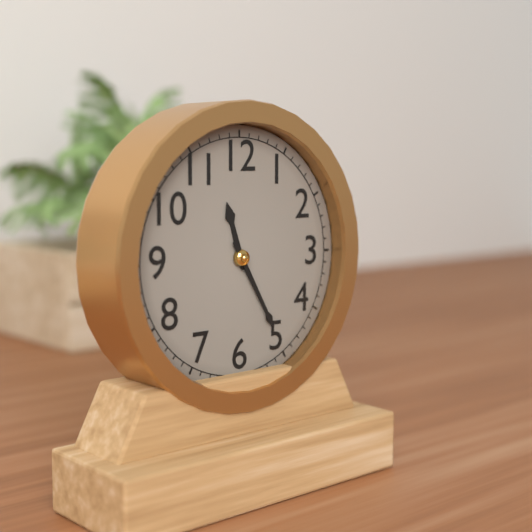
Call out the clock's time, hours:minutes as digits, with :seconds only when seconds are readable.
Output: 11:25
